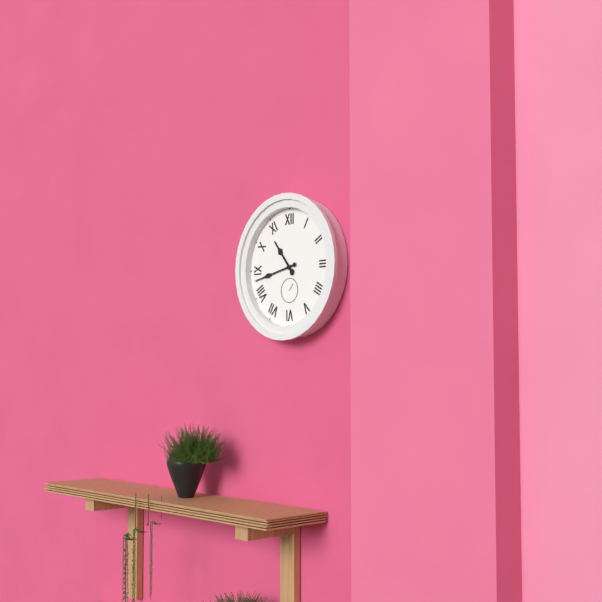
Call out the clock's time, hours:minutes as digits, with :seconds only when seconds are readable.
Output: 10:43
